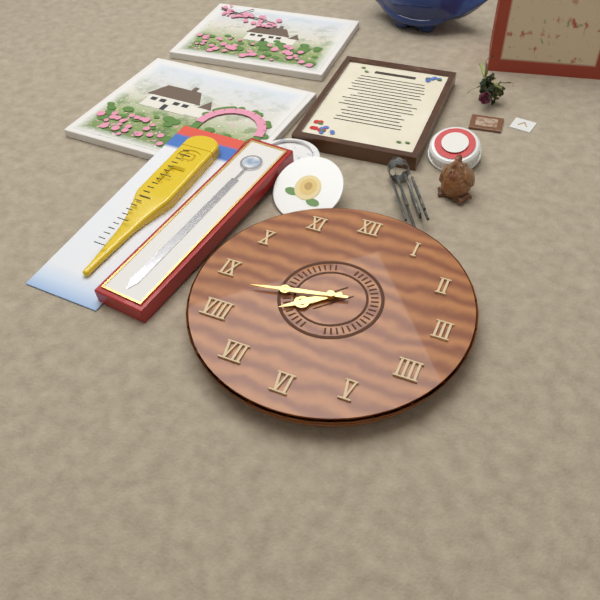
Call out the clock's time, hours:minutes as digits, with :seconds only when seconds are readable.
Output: 7:43
